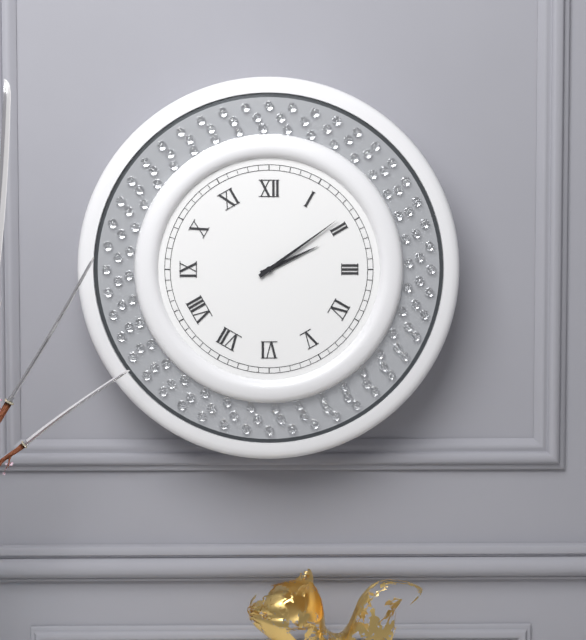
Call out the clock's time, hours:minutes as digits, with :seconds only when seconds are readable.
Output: 2:09
